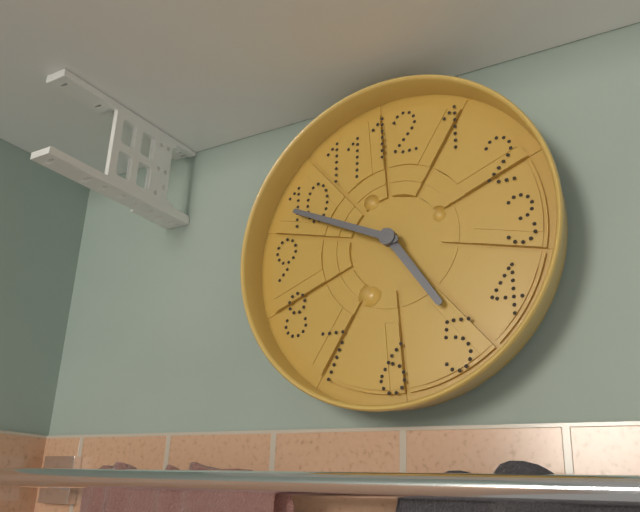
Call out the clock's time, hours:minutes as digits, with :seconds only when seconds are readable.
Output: 4:49
